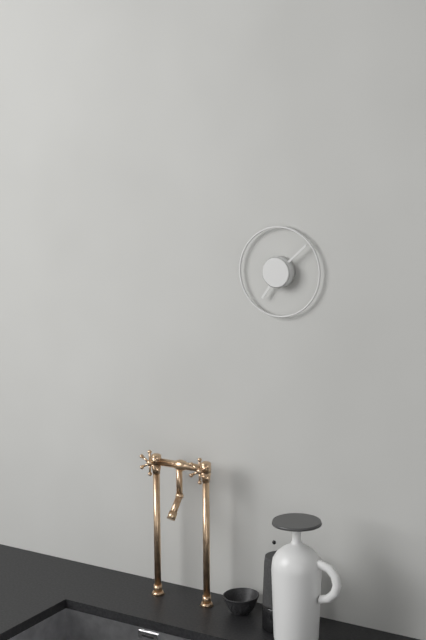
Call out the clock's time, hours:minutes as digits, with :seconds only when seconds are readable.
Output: 7:08
